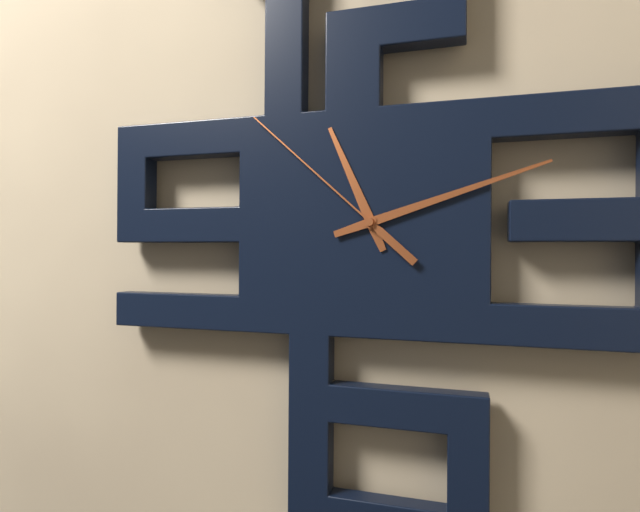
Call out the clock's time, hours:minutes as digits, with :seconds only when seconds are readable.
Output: 11:12:52
